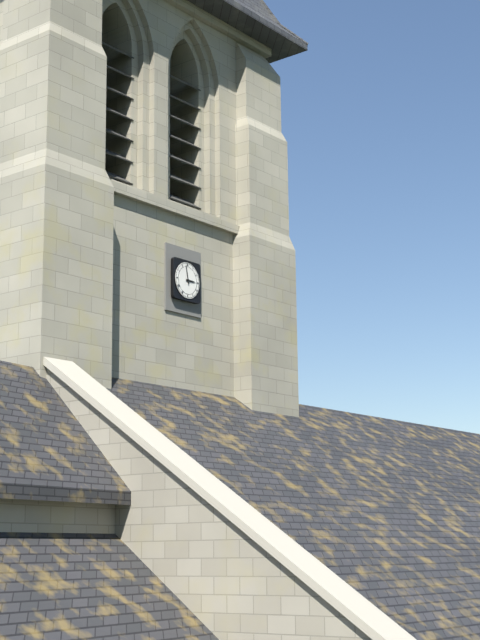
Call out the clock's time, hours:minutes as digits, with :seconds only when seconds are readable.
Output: 2:58
